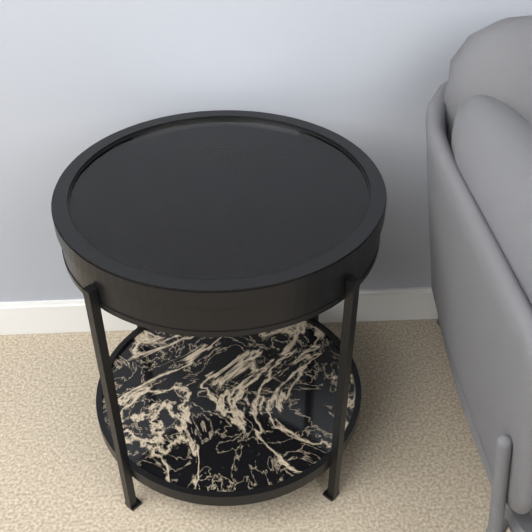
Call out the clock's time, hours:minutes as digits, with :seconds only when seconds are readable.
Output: 11:15
